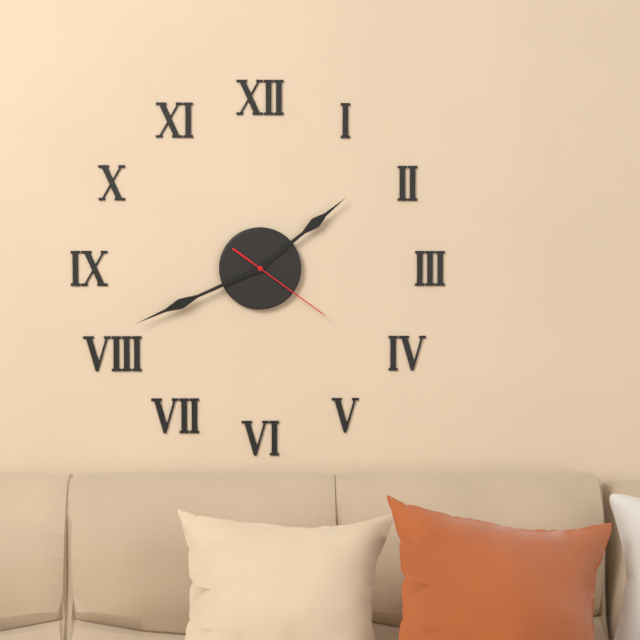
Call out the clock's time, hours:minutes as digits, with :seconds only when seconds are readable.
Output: 1:41:21
